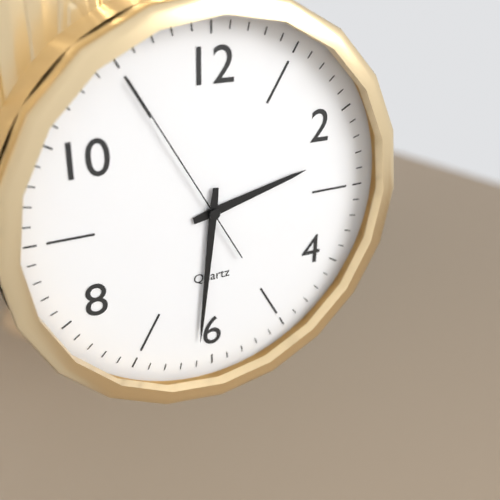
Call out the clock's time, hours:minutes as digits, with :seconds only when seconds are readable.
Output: 2:31:55
